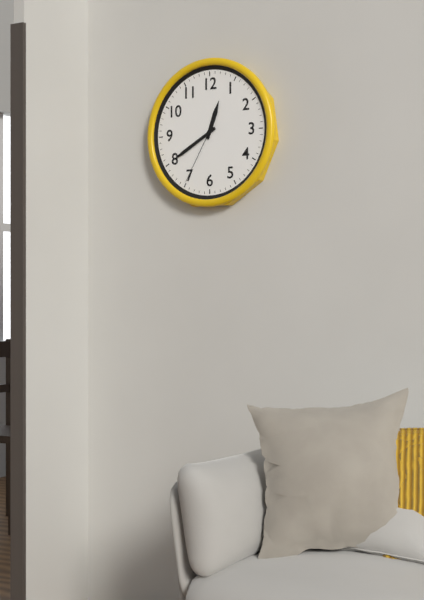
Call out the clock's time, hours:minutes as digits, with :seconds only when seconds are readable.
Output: 12:40:35
